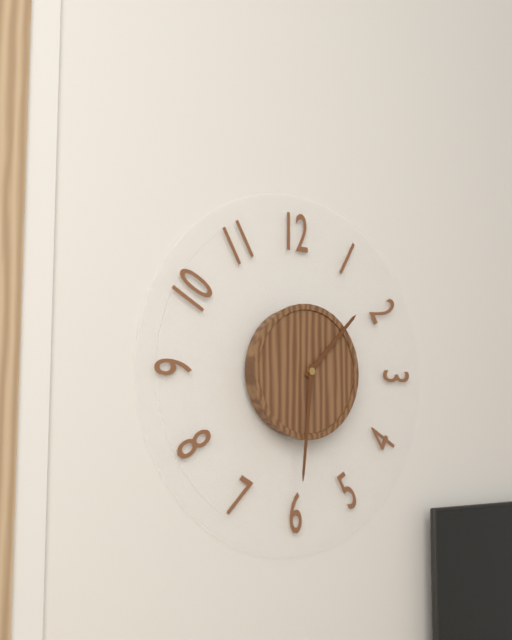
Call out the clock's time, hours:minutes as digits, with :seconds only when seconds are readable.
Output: 1:31
